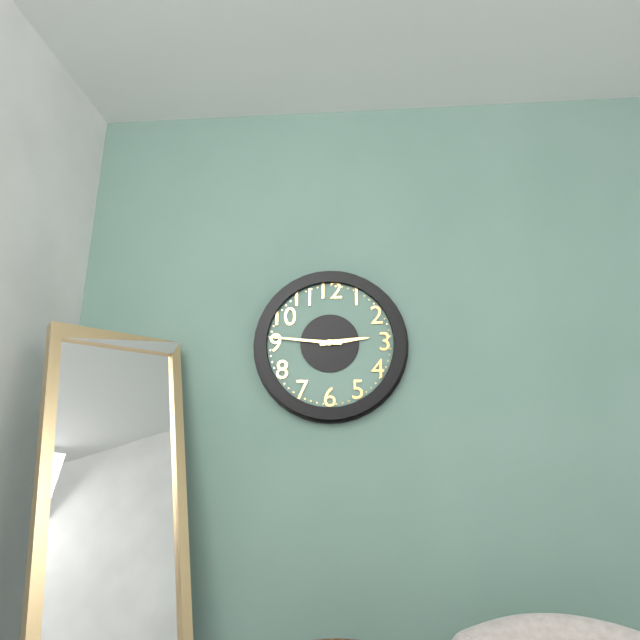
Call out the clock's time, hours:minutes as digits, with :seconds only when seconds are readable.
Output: 2:46
